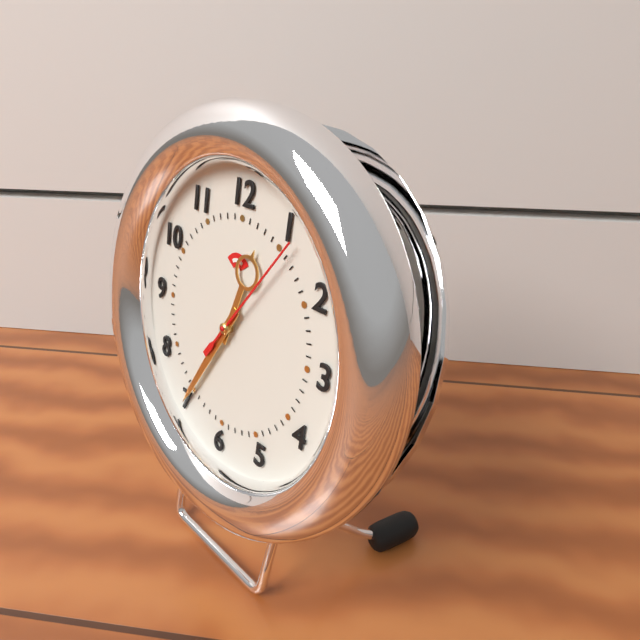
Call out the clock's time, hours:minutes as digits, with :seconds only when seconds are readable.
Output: 12:35:06
